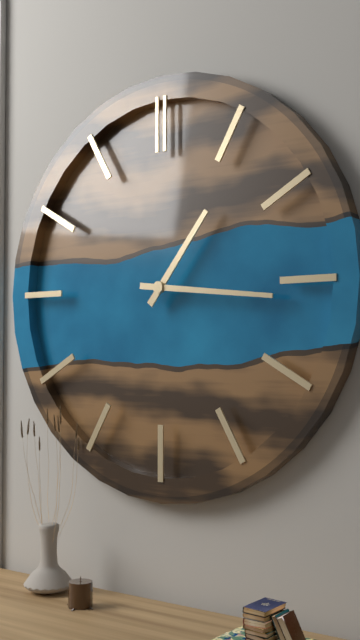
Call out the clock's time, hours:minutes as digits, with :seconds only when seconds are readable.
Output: 1:16
